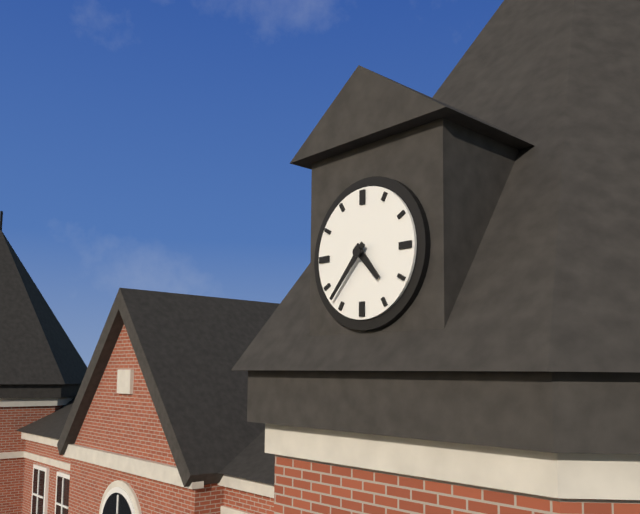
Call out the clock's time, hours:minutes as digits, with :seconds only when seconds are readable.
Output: 4:37
